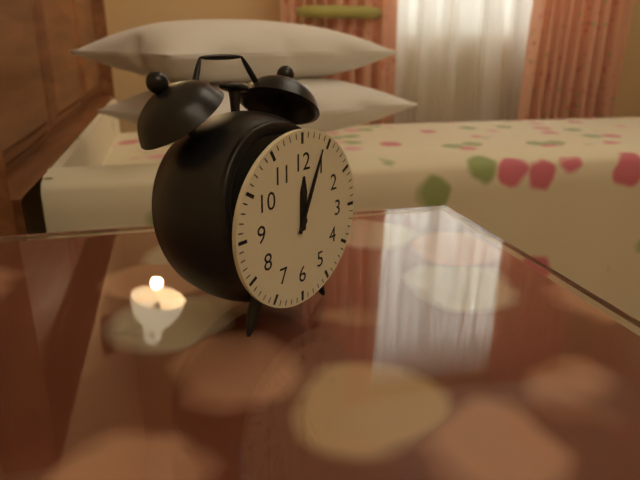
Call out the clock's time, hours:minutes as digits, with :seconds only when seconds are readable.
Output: 12:04
